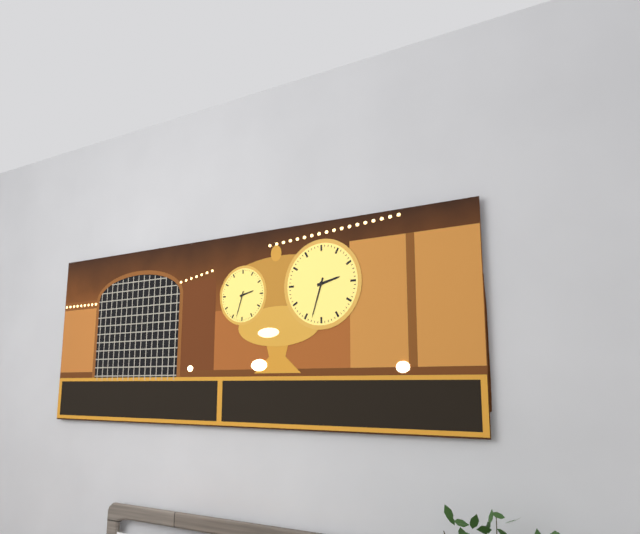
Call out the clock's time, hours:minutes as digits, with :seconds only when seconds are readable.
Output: 2:33
